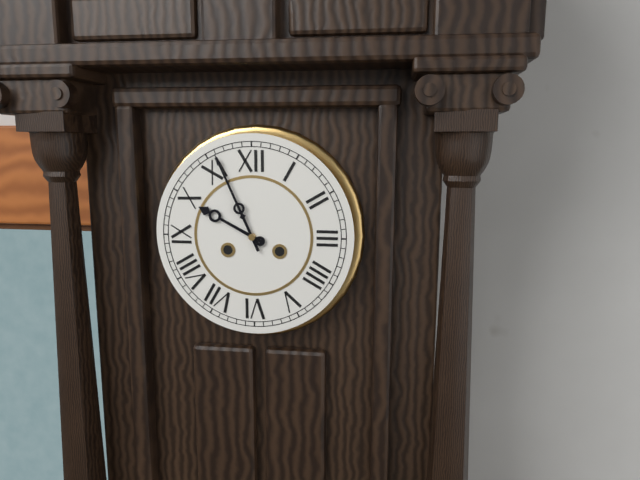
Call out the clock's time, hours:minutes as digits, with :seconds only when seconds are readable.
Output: 9:56
